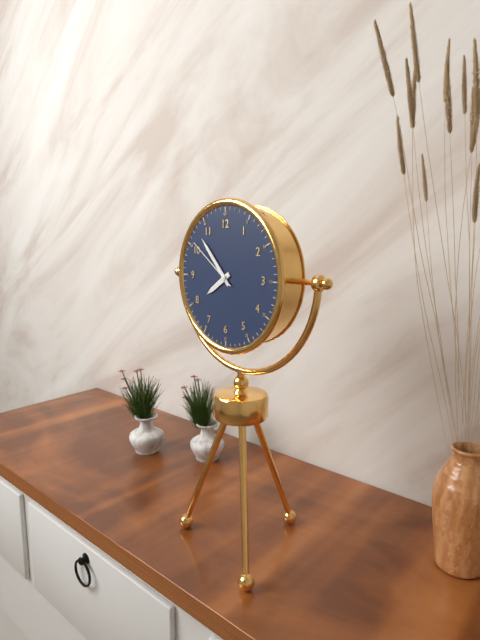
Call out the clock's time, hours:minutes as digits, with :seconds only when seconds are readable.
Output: 7:53:51
